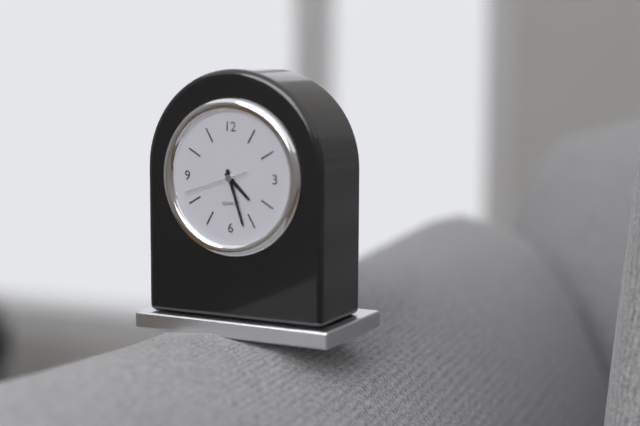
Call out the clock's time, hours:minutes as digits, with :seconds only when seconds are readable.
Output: 4:27:42
